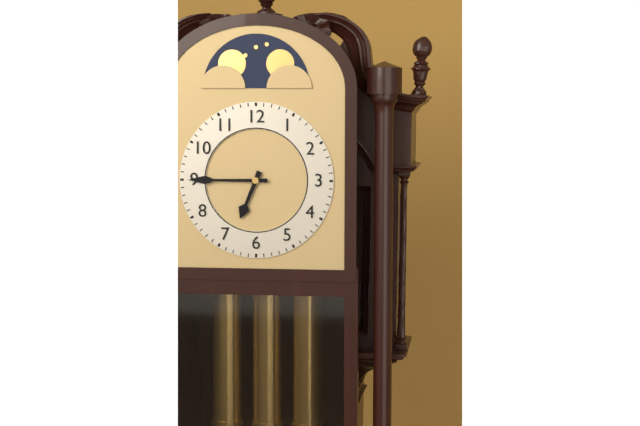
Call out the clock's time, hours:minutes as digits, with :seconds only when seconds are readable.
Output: 6:45
